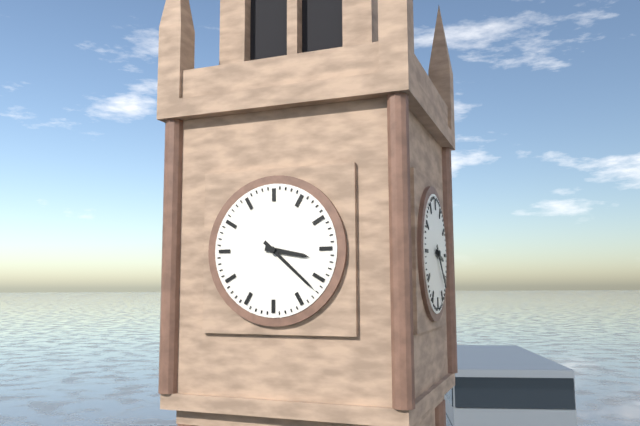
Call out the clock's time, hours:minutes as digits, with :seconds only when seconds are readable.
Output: 3:22
